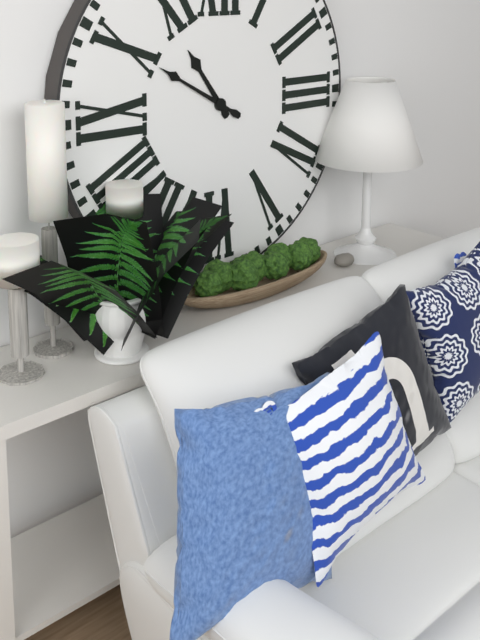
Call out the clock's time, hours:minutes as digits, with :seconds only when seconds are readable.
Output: 10:50
